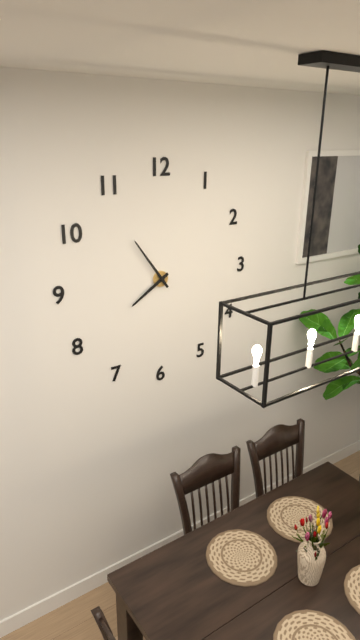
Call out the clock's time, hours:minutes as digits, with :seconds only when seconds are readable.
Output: 7:54
